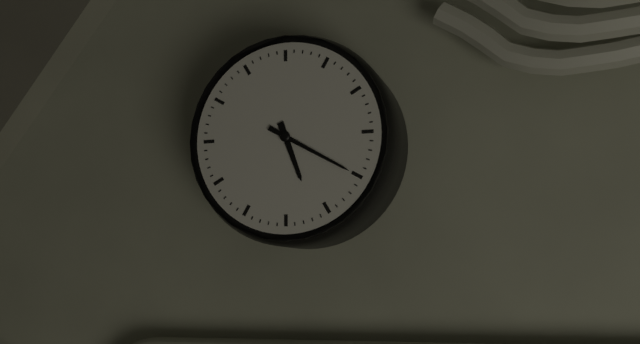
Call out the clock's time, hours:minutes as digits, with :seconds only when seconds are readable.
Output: 5:20
